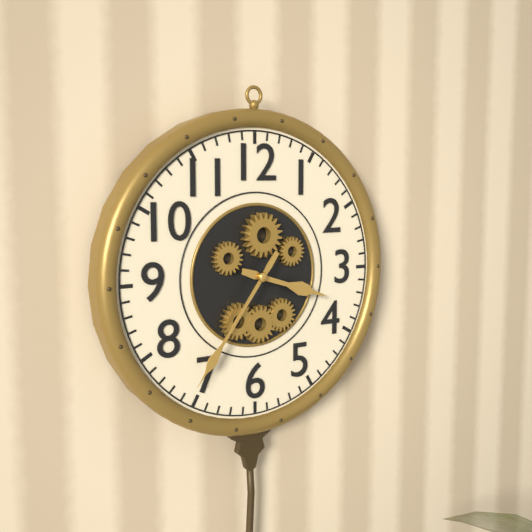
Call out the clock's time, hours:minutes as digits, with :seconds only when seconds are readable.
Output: 3:36
